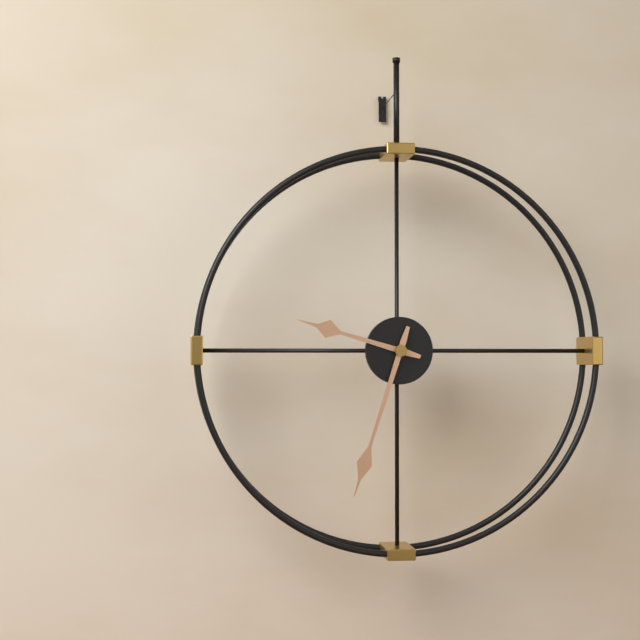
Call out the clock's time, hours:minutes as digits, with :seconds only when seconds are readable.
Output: 9:33
